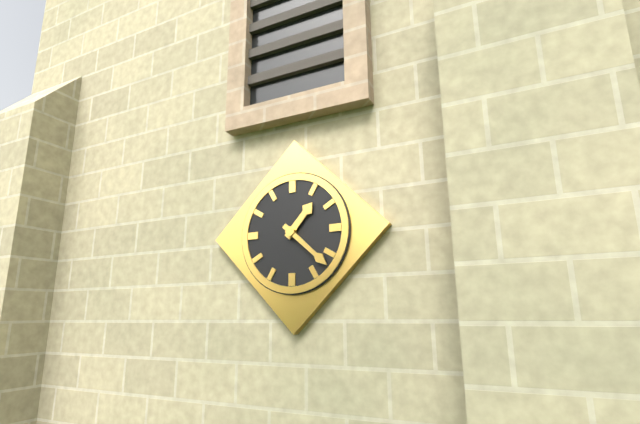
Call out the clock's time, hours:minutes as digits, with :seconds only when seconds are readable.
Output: 1:22
